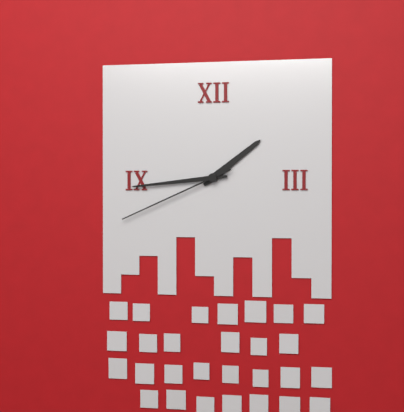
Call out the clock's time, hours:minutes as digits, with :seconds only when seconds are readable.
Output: 1:44:41
